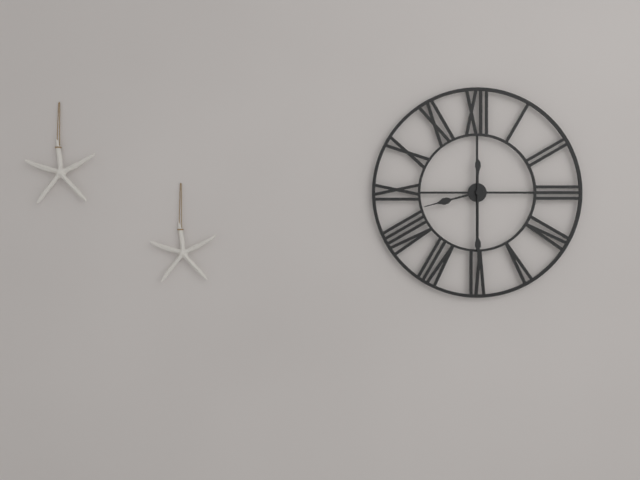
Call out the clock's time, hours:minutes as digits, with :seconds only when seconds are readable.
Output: 8:30
